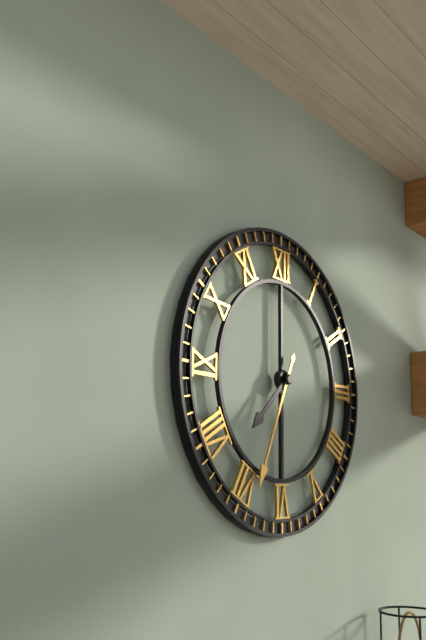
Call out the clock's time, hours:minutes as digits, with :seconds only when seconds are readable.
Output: 7:34
